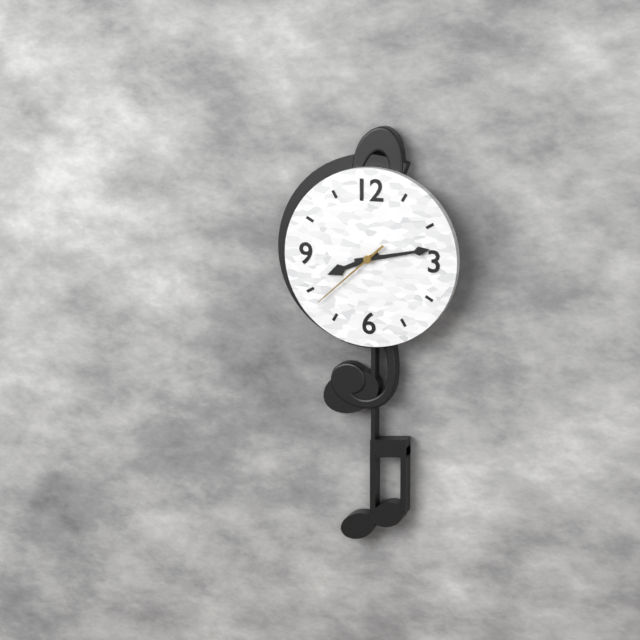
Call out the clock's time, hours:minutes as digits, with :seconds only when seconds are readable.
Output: 8:13:38
